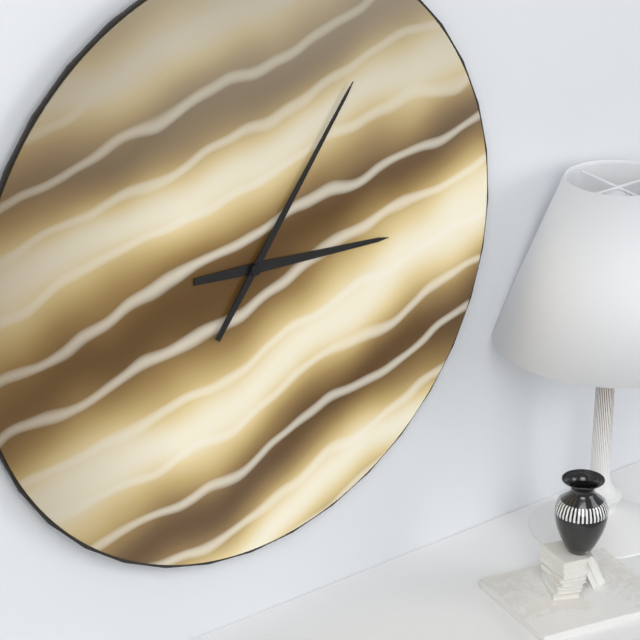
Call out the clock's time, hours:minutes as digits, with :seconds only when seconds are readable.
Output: 3:06
